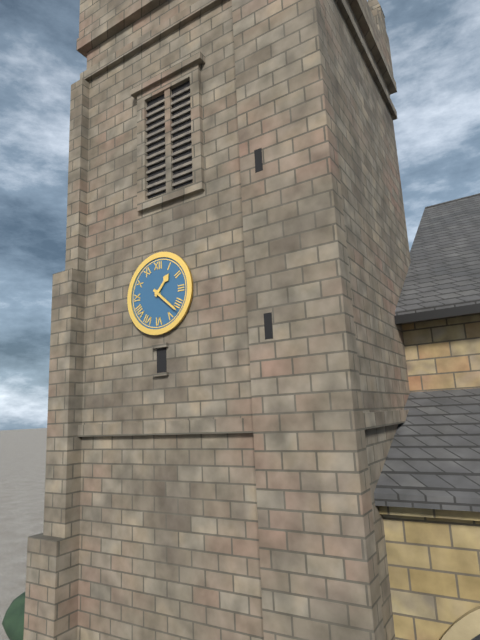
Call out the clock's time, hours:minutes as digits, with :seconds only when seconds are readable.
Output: 1:22
